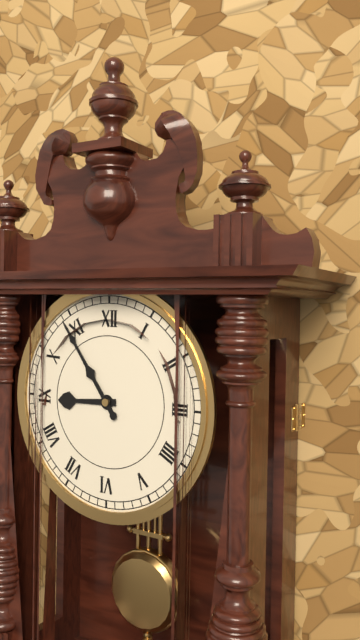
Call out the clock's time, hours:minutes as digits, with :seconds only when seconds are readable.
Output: 8:54
